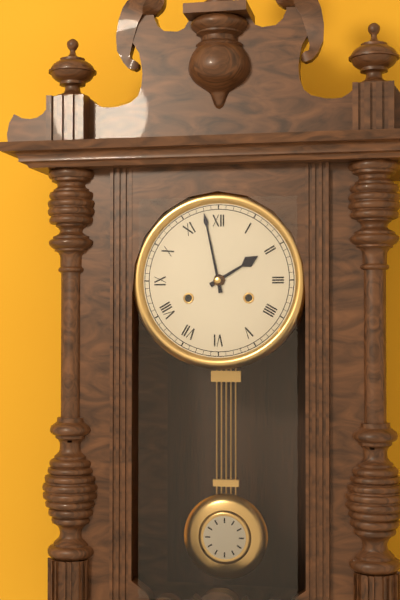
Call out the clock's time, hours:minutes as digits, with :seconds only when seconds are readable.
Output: 1:58
